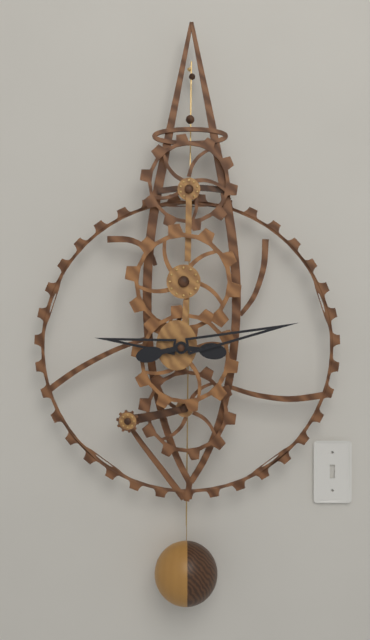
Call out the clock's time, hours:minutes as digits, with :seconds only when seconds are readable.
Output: 9:13
